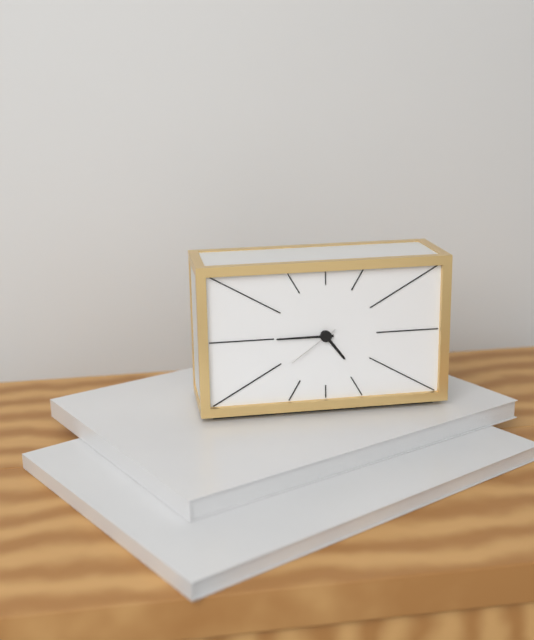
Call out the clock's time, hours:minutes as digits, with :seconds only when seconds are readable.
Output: 4:45:39
